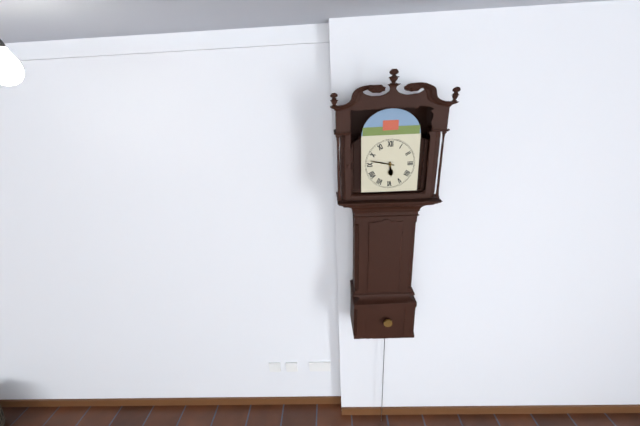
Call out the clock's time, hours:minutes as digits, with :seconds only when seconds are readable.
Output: 5:47
